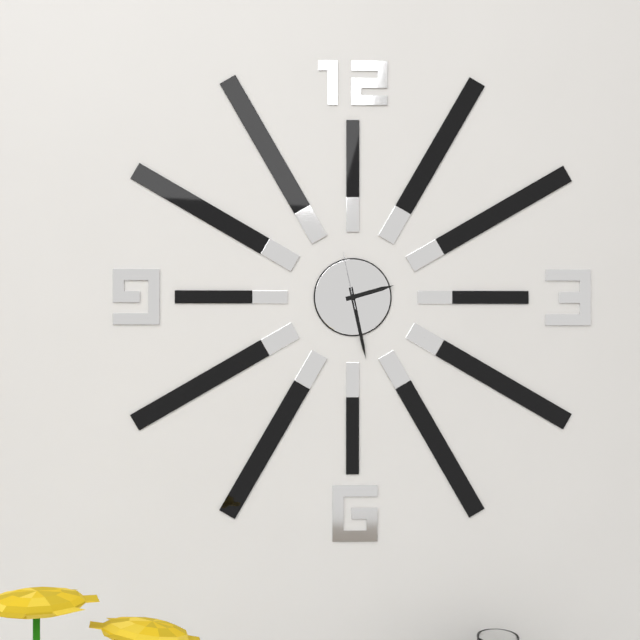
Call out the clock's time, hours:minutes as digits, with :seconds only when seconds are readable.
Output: 2:28:58
